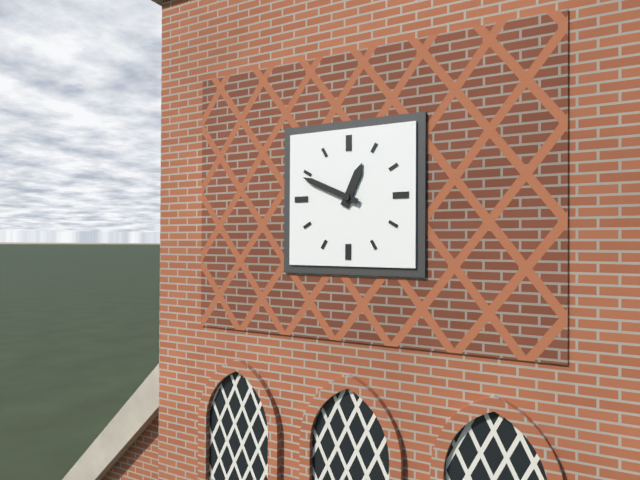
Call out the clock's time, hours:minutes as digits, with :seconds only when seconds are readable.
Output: 12:49
